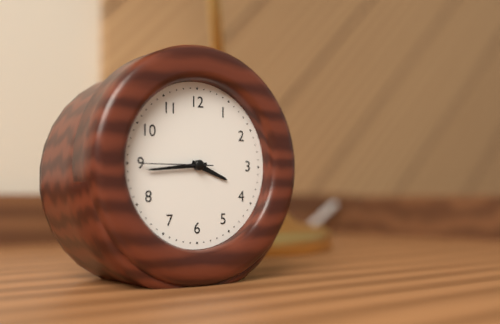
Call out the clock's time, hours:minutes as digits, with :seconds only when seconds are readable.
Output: 3:44:45
